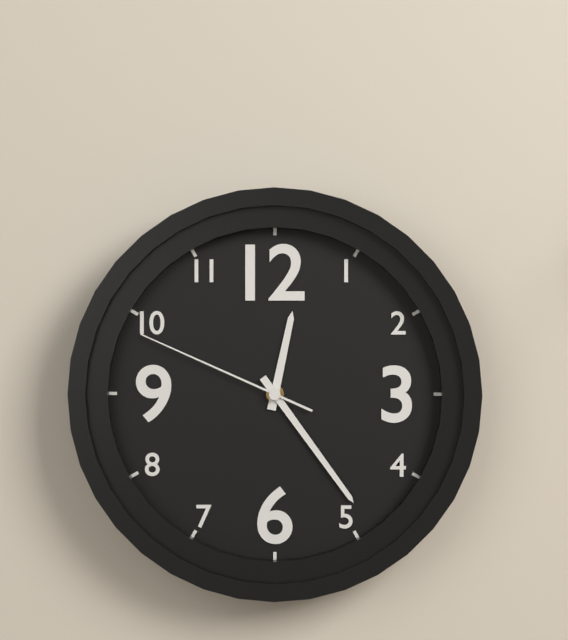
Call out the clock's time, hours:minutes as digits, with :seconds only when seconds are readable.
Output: 12:24:49
